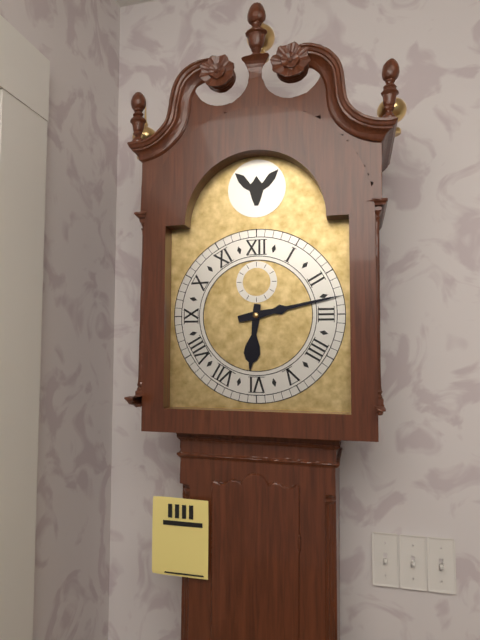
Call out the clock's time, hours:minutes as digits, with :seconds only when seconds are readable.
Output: 6:13
